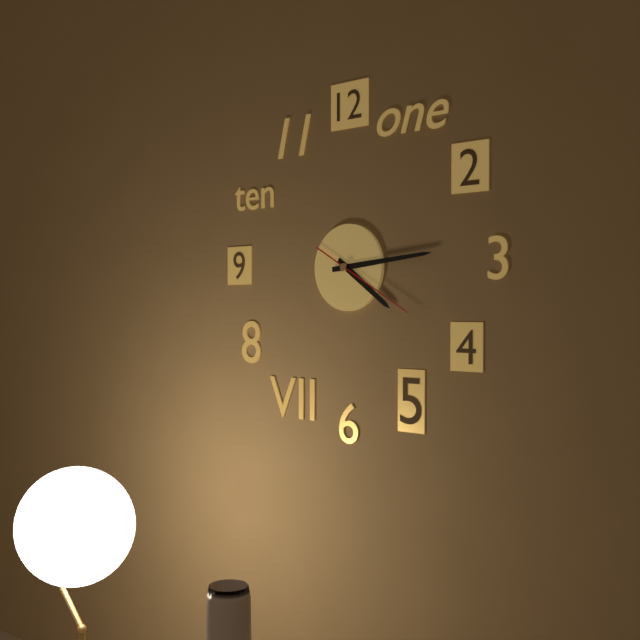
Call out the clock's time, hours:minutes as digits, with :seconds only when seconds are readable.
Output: 4:14:20
